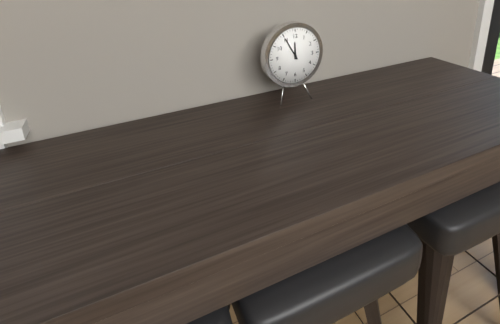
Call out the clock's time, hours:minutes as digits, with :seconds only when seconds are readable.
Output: 11:55
